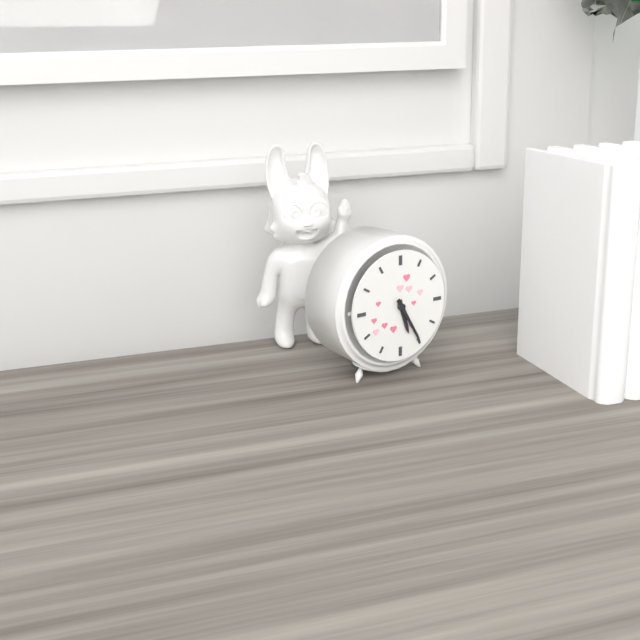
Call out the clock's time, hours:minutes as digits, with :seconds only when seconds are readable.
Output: 5:25
